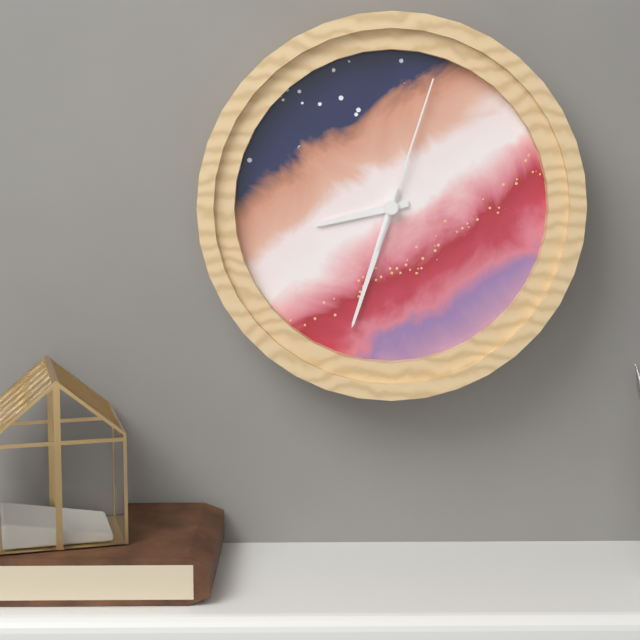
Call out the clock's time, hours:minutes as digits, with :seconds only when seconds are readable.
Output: 8:33:03
